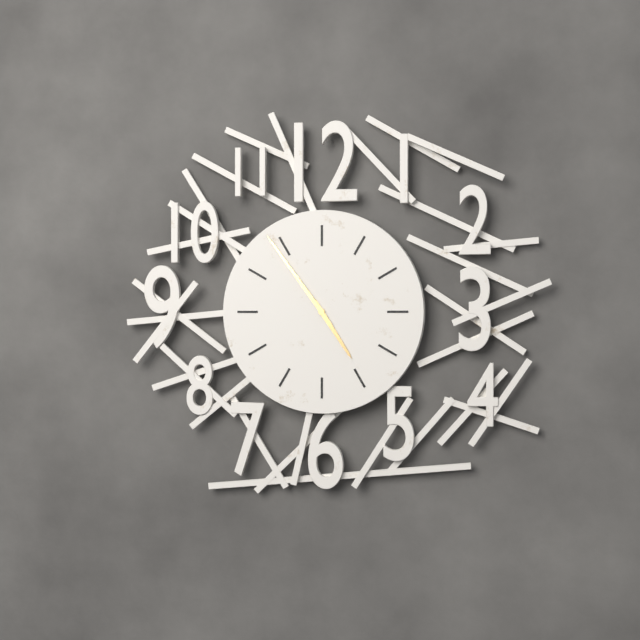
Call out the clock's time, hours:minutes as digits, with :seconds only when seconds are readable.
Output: 4:54
